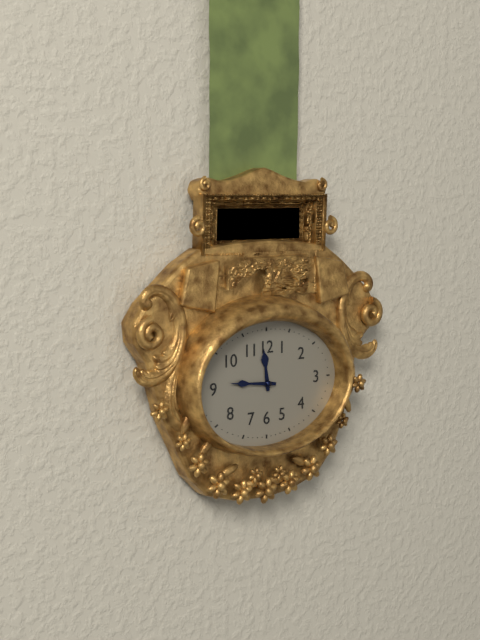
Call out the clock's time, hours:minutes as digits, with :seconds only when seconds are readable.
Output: 11:46
